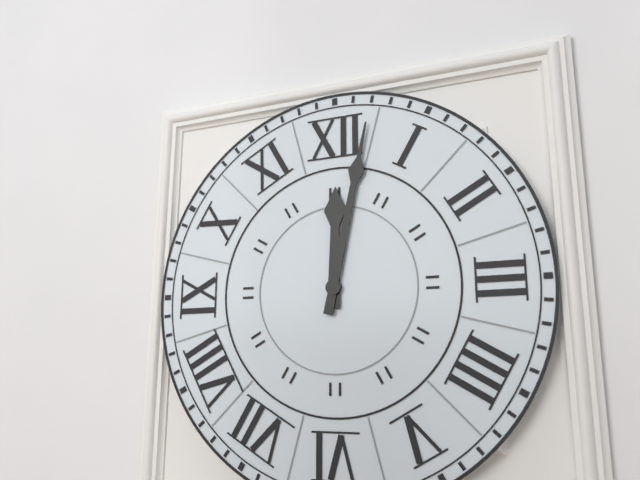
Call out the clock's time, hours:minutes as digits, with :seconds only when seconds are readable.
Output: 12:02
